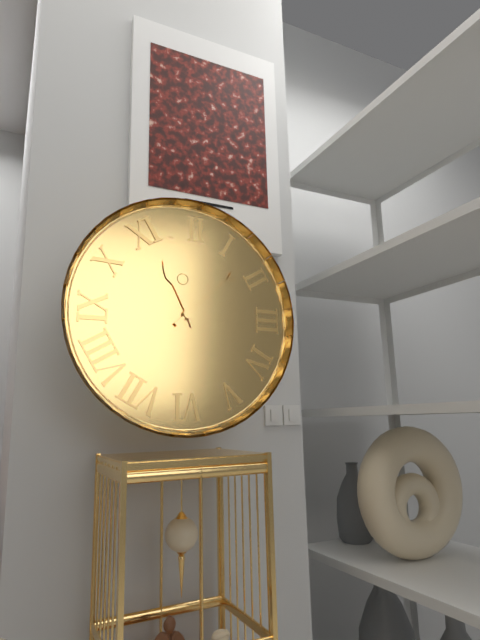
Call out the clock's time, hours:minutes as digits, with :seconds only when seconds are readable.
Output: 11:08
